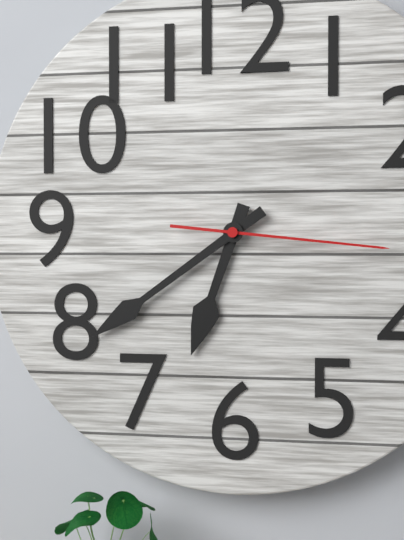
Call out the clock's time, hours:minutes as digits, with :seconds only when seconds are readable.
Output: 6:39:16
